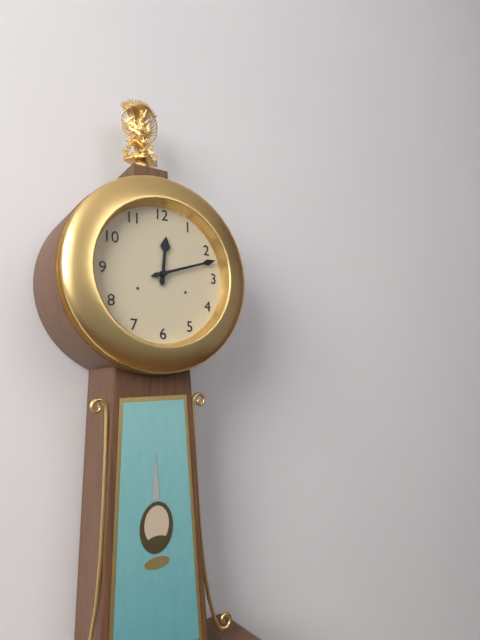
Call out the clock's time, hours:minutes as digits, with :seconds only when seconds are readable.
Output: 12:12
